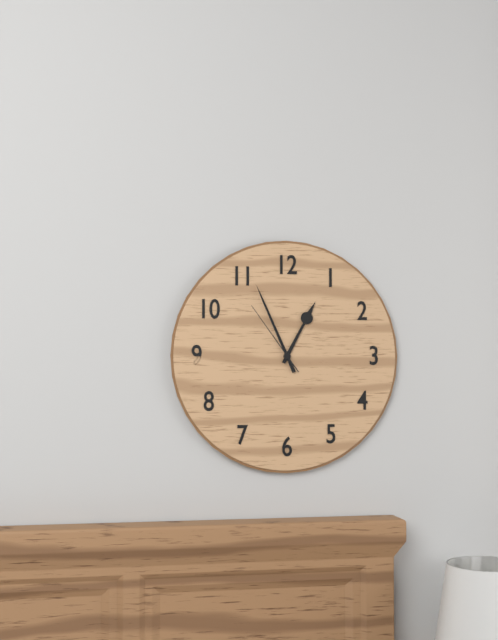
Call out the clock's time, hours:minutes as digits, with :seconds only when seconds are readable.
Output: 12:56:54
